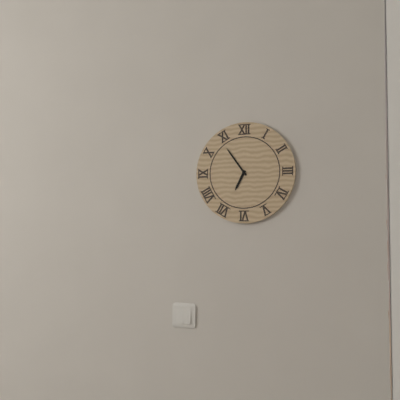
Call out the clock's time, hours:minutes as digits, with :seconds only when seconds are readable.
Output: 6:54
